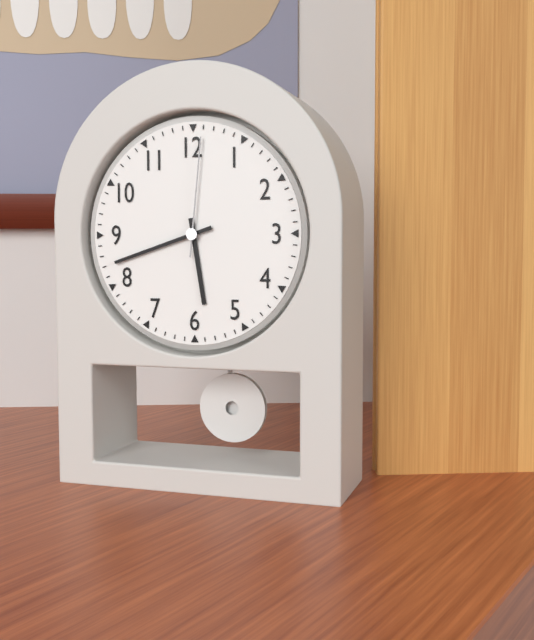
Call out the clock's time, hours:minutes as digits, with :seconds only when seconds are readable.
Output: 5:42:01
